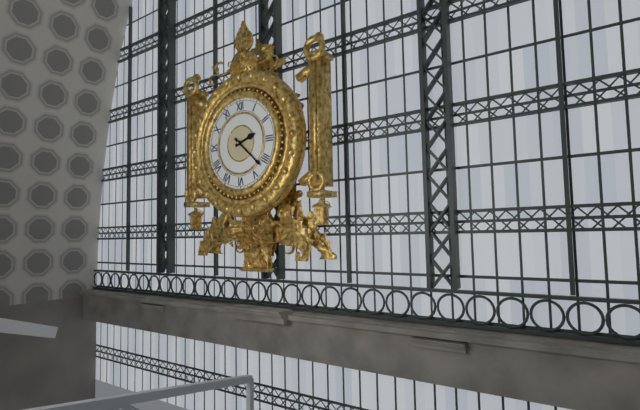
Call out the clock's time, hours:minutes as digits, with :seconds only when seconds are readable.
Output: 2:22
